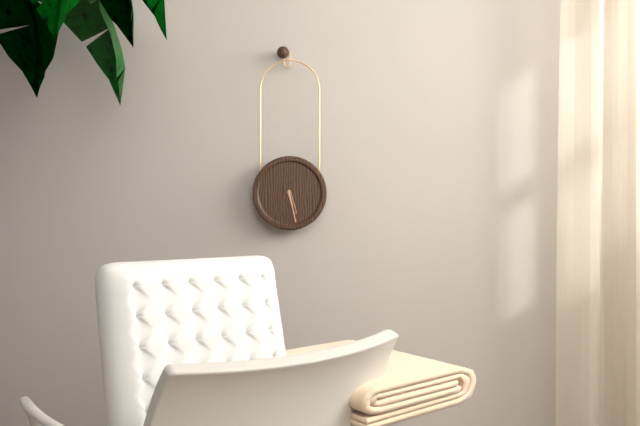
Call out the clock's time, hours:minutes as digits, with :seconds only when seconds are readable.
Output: 5:28
